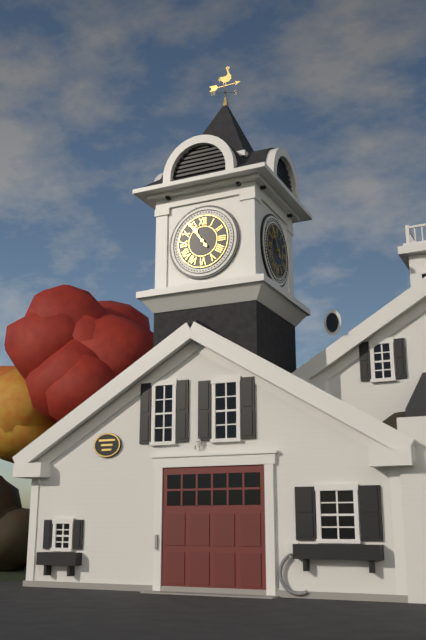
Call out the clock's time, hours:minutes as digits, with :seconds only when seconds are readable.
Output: 10:54
